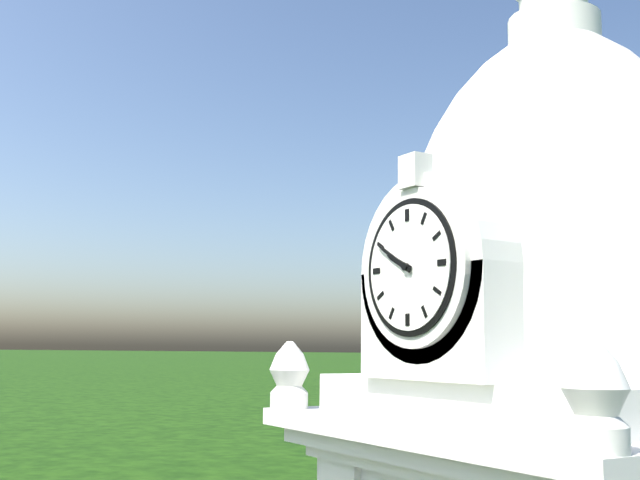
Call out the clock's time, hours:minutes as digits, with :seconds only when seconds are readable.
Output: 9:50
